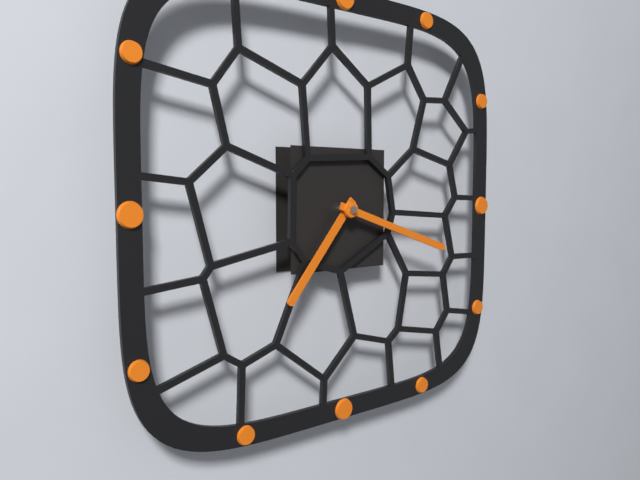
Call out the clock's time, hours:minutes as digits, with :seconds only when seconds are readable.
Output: 7:18
